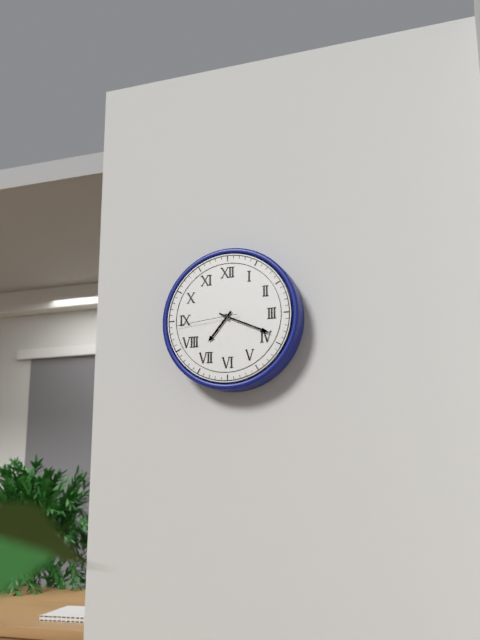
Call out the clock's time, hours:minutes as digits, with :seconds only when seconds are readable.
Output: 7:19:44
